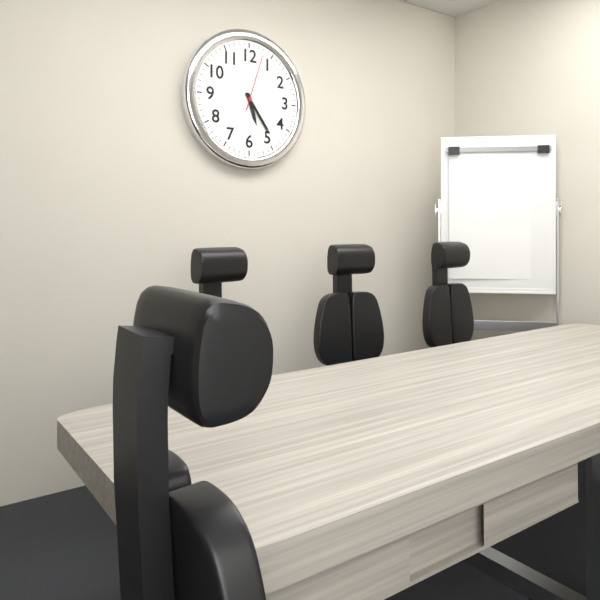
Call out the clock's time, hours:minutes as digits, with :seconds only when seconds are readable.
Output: 5:24:03
